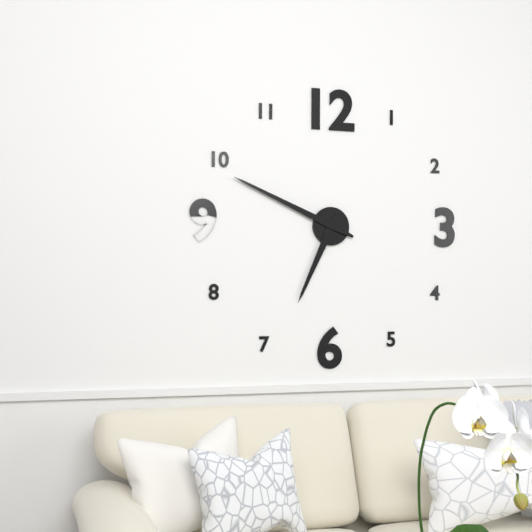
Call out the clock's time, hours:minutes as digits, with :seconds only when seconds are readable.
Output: 6:49
